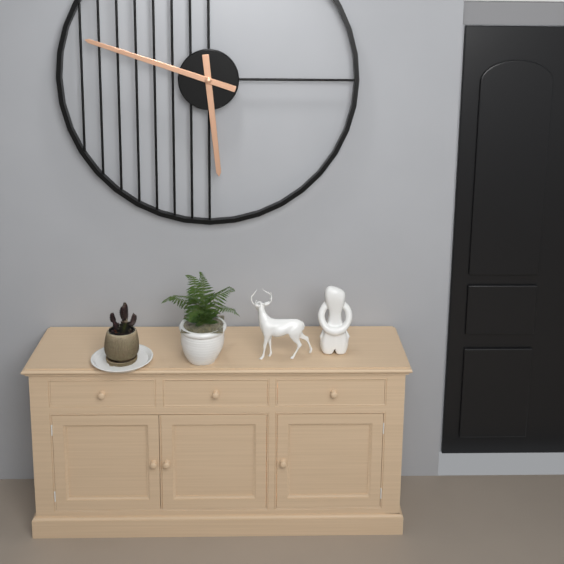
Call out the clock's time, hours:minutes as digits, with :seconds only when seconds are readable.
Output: 5:48
